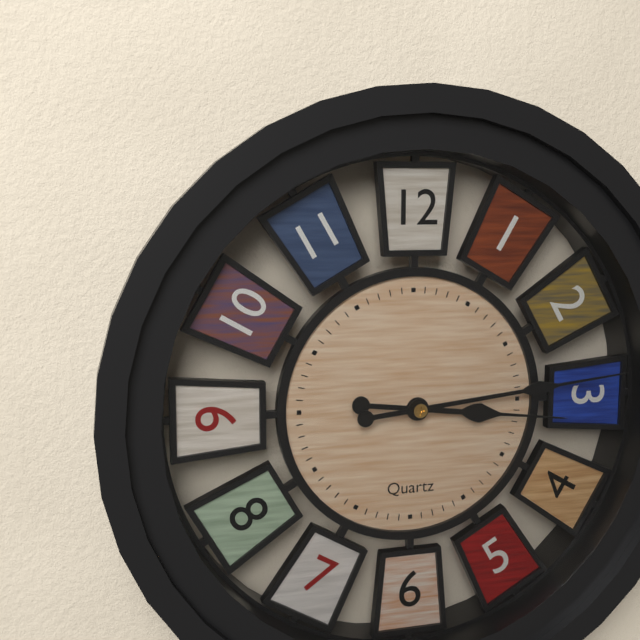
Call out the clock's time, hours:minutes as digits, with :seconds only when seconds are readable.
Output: 3:14
